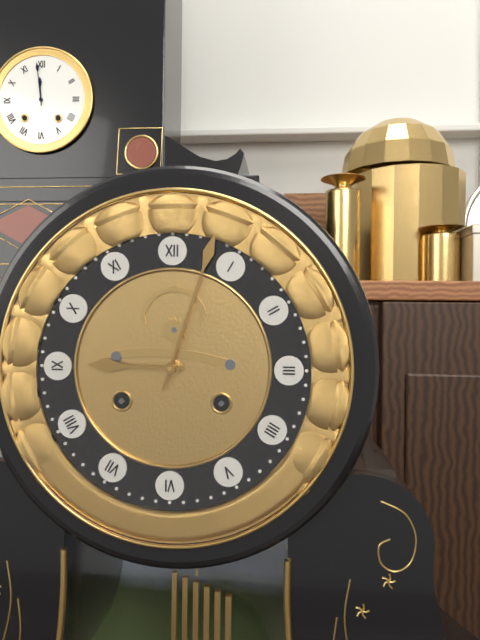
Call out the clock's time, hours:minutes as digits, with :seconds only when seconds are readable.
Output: 9:03
